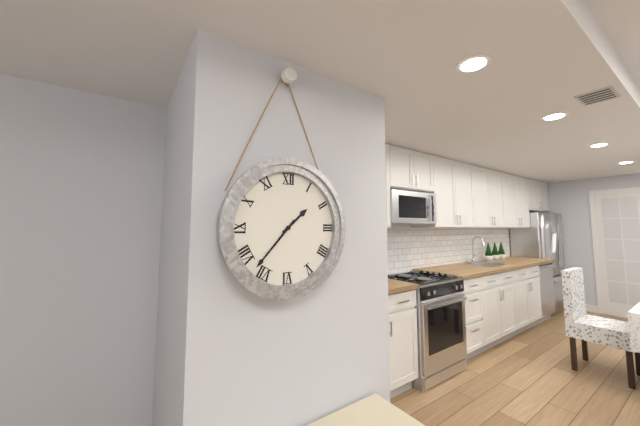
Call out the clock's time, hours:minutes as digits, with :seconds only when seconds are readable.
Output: 1:37
